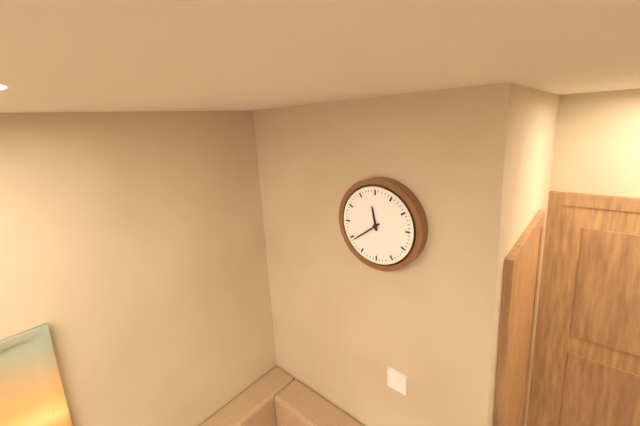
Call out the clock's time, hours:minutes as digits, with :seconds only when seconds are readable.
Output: 11:39
